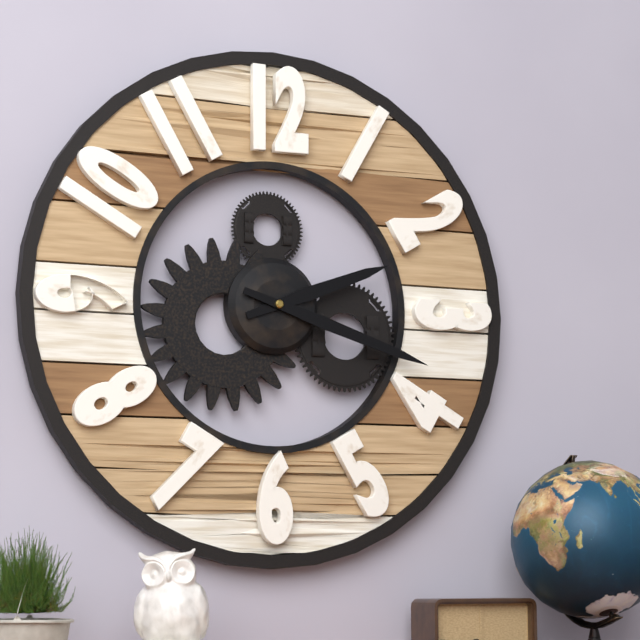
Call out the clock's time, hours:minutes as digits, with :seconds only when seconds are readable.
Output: 2:18
